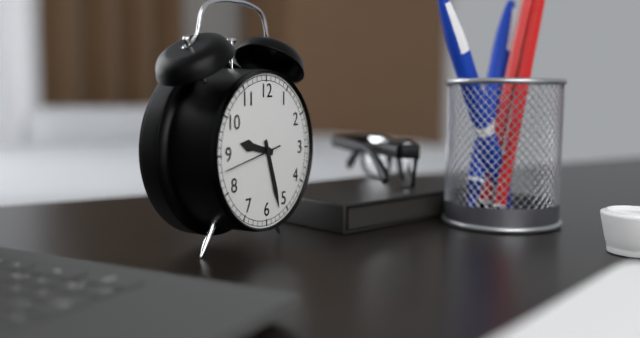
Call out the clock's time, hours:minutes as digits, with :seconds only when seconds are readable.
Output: 9:27:43
